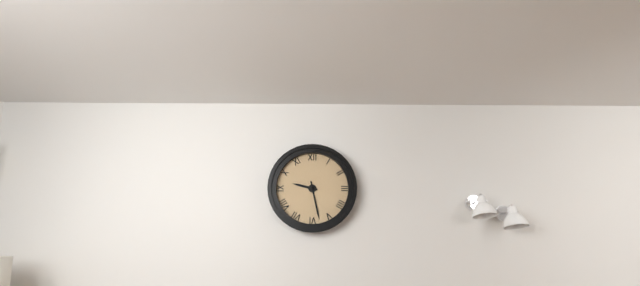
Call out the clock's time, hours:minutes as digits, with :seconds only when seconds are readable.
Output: 9:28
